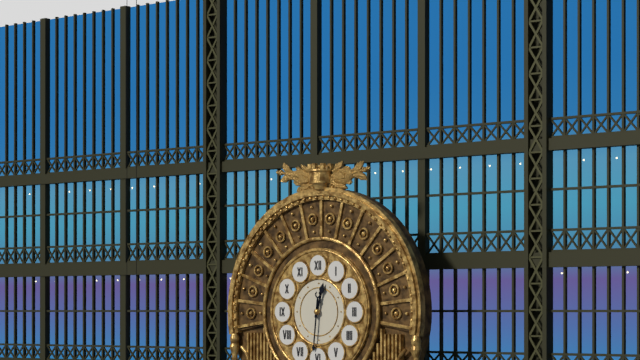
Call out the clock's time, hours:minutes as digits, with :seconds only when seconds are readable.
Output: 12:31
